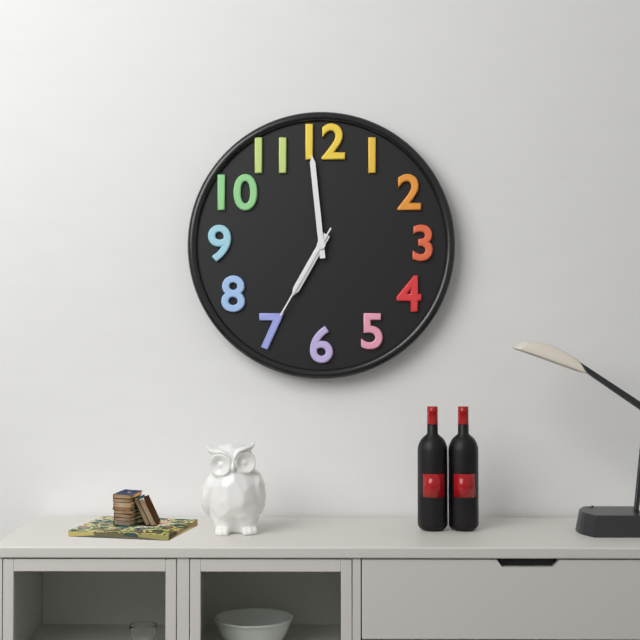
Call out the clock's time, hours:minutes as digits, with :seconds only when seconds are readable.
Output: 6:59:35
